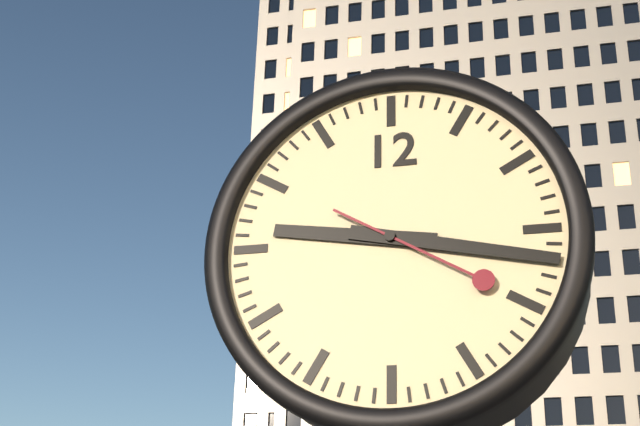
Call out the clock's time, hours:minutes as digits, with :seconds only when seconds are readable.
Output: 9:17:20
